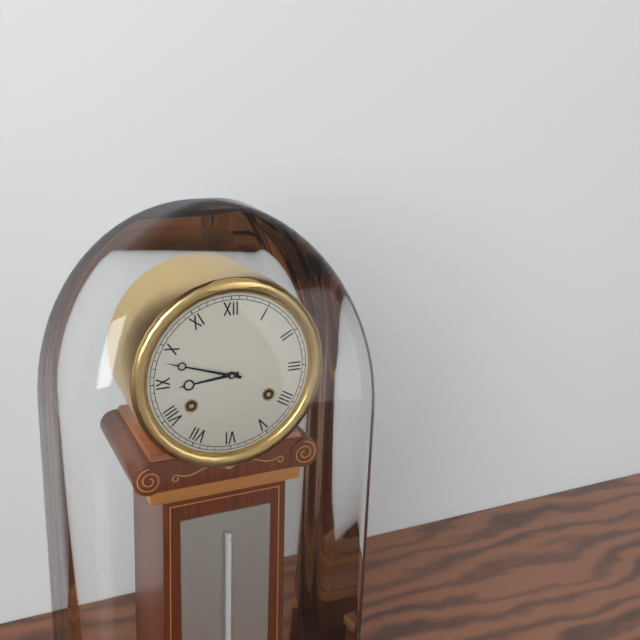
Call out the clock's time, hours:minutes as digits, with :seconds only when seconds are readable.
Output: 8:48
